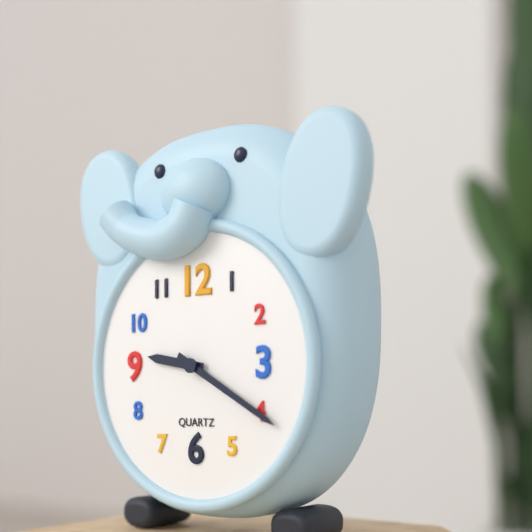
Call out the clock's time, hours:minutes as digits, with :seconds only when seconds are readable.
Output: 9:20
